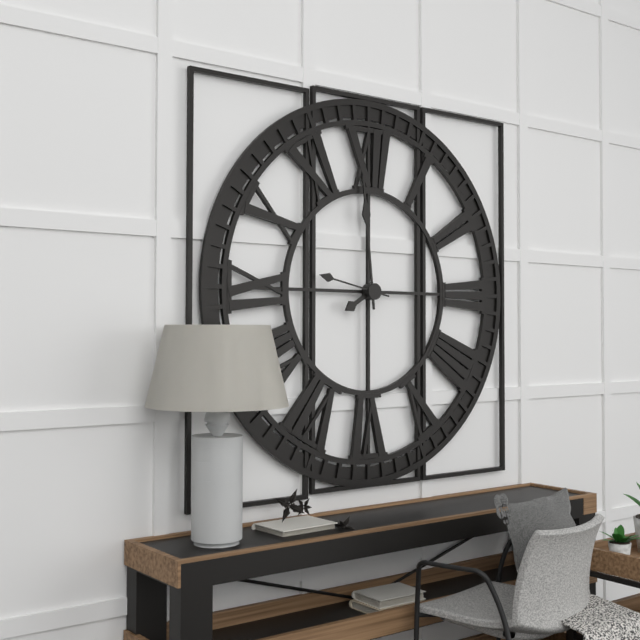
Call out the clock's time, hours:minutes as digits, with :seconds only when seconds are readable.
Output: 7:59:47
